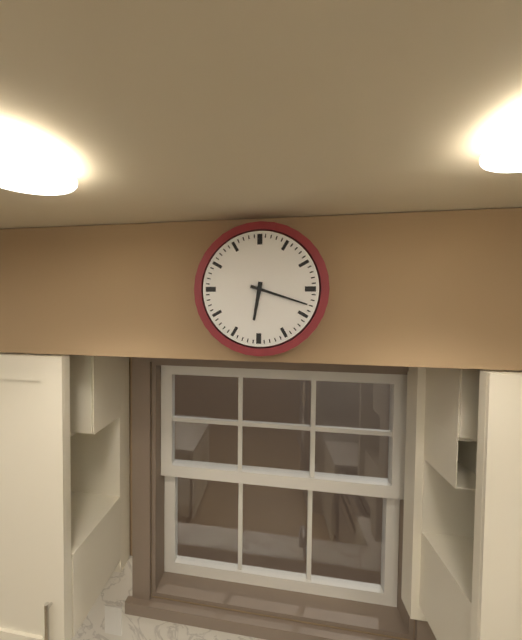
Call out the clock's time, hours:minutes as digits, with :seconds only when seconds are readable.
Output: 6:18
